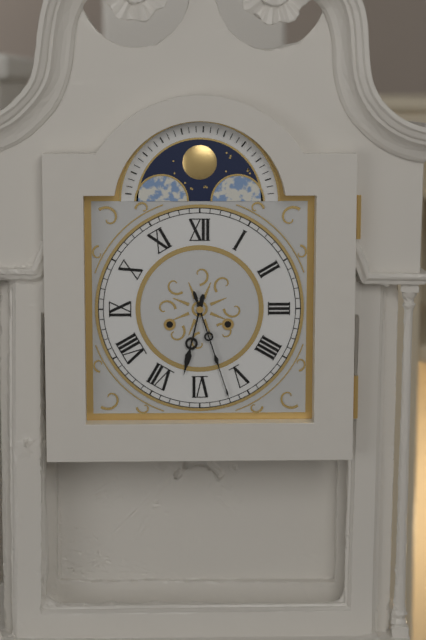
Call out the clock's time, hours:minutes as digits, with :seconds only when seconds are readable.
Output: 6:27
